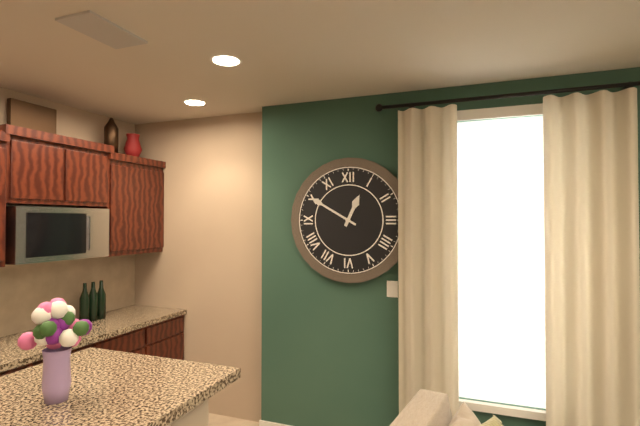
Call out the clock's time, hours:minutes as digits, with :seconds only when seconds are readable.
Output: 12:50
